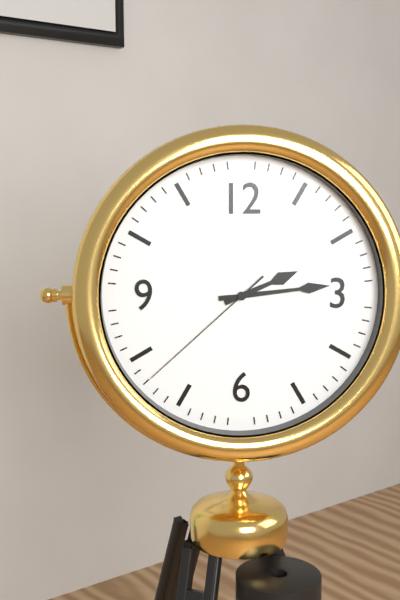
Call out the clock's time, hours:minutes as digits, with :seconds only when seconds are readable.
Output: 2:14:38
